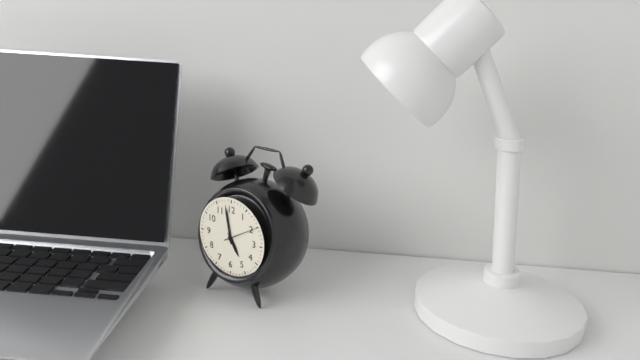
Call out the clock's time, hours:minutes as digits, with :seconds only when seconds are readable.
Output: 4:58
